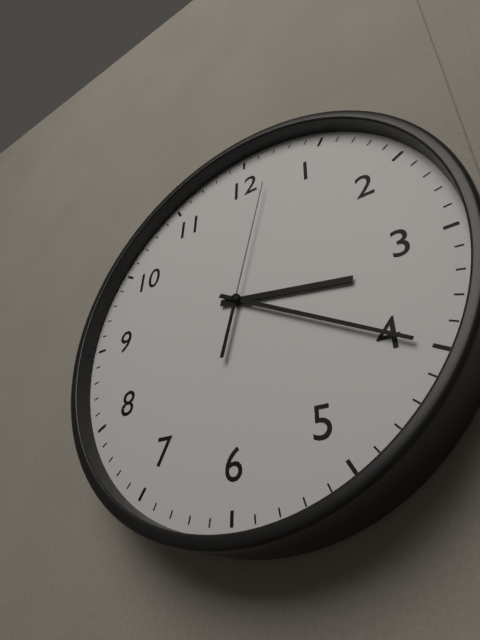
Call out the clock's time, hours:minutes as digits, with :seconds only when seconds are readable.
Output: 3:20:02
